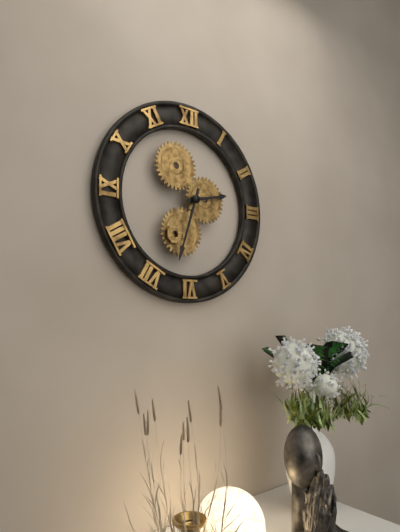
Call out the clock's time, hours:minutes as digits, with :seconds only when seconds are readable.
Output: 2:33
